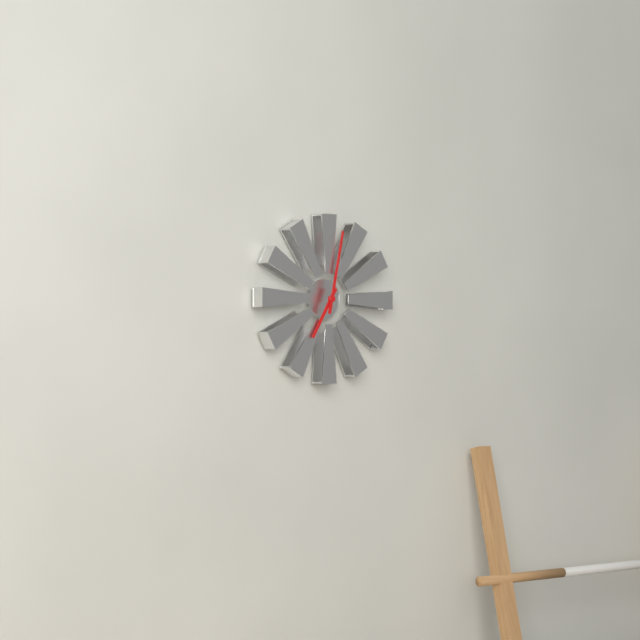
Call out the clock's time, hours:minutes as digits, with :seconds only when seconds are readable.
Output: 7:02
